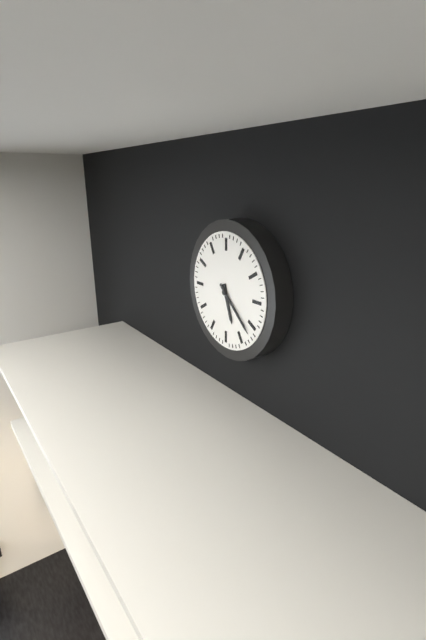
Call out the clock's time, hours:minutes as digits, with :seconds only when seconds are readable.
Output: 5:22
